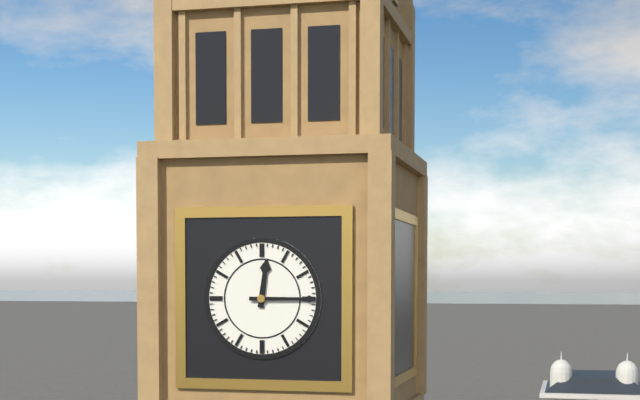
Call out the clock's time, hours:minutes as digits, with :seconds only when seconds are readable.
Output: 12:15
